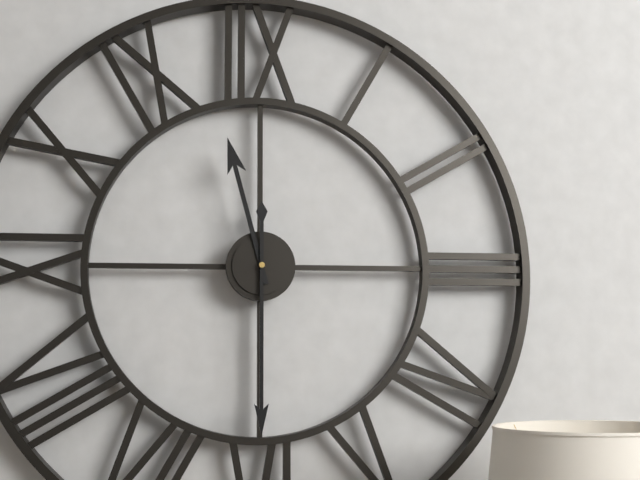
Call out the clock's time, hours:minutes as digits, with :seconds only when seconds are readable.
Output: 11:30
